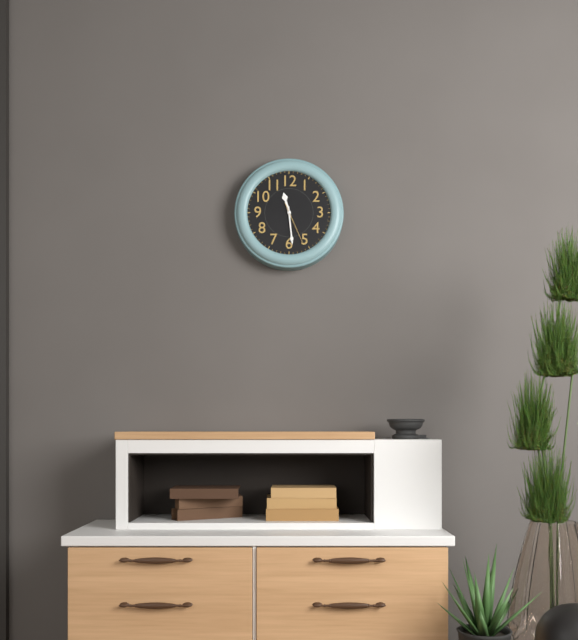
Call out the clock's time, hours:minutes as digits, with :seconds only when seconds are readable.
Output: 11:29
